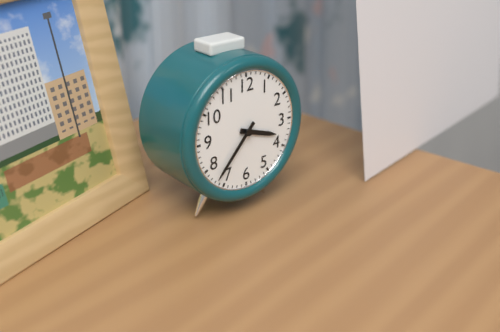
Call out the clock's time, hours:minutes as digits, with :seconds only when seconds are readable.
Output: 3:37
